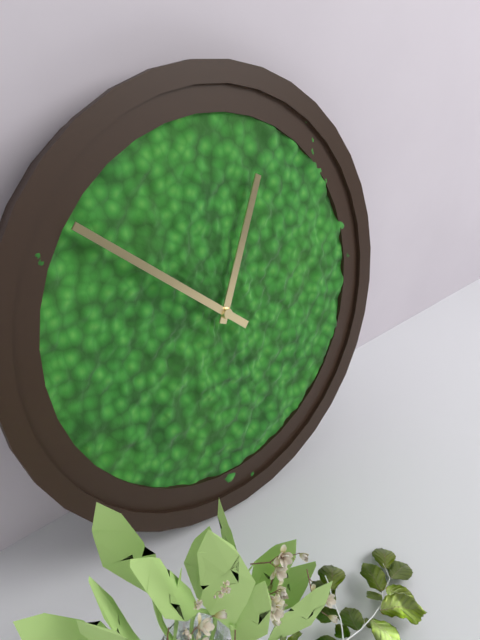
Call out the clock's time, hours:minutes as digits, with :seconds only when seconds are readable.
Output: 12:52
